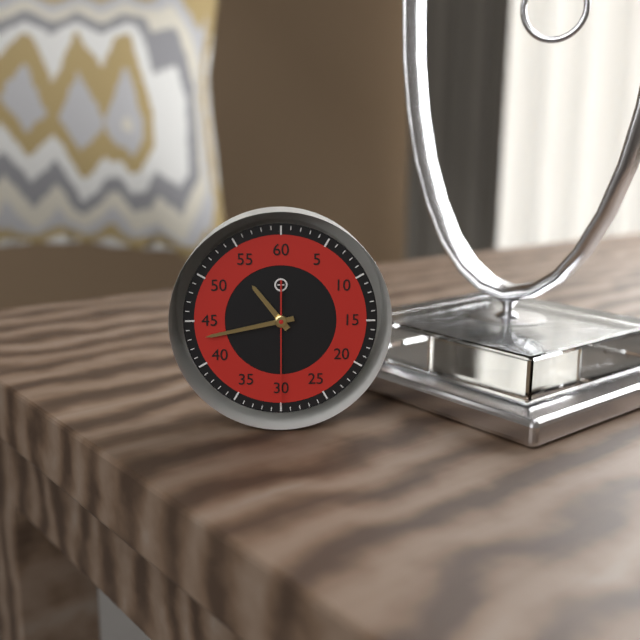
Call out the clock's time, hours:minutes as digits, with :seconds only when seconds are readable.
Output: 10:43:30
